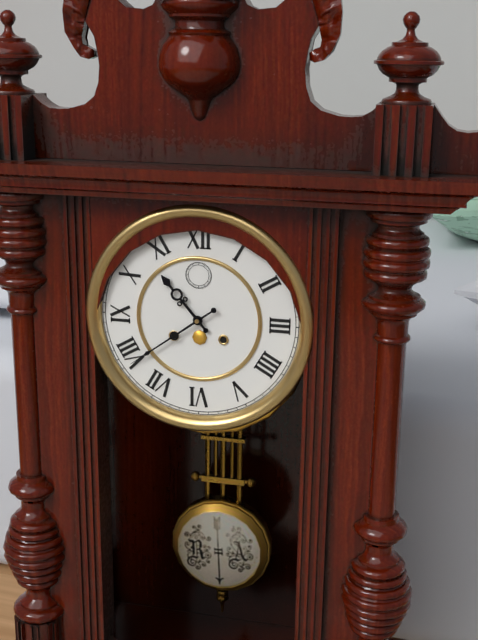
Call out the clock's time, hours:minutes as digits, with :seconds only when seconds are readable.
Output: 10:39
